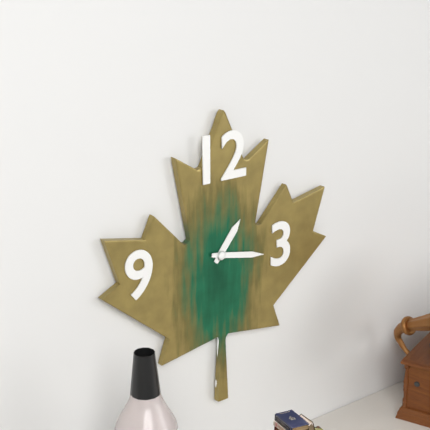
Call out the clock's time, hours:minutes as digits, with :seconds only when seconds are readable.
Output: 1:17
